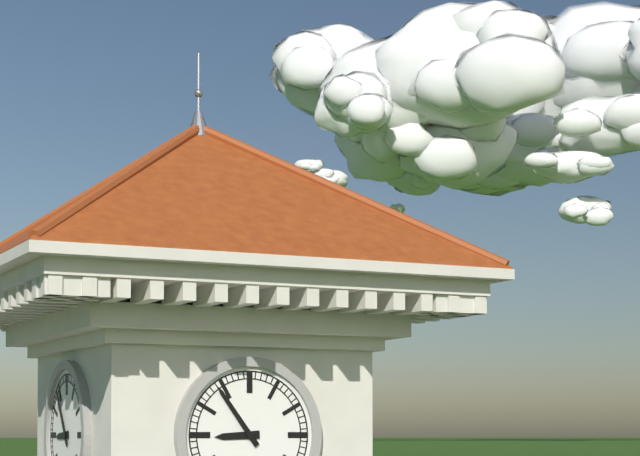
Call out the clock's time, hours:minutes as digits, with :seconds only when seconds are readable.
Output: 8:54
